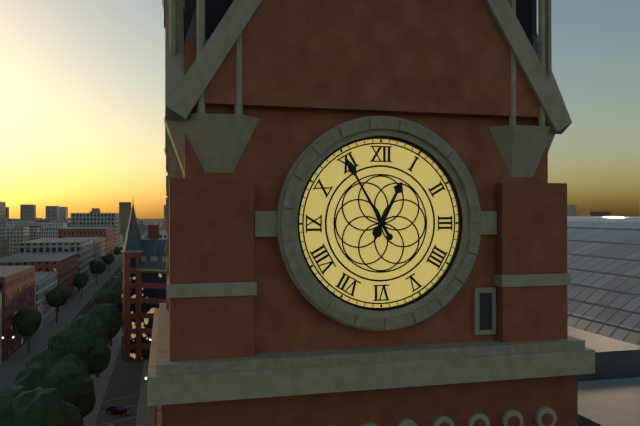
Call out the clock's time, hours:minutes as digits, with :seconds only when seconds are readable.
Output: 12:55
